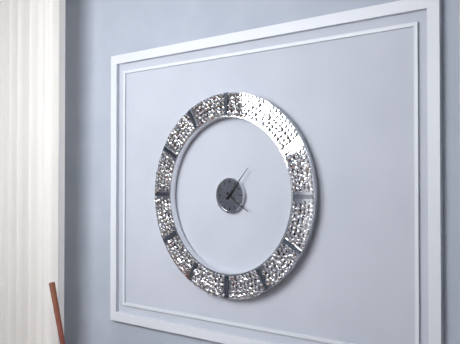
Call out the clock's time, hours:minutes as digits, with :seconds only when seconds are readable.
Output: 4:07
